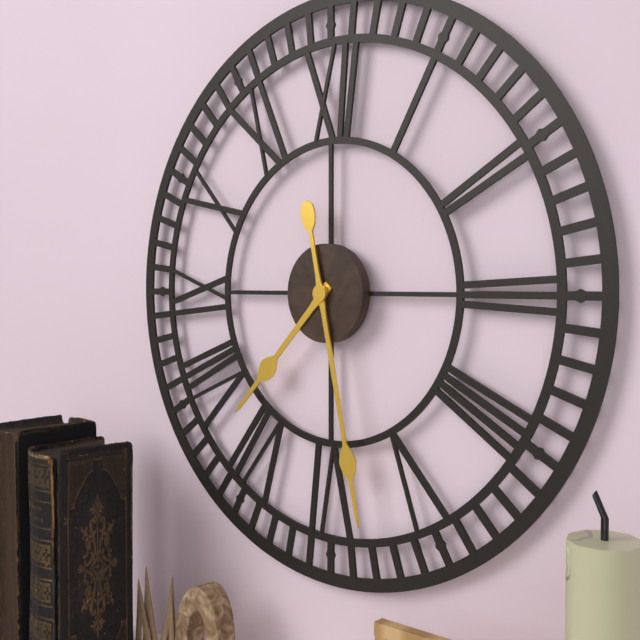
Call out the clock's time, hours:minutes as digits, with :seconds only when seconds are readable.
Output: 7:28
